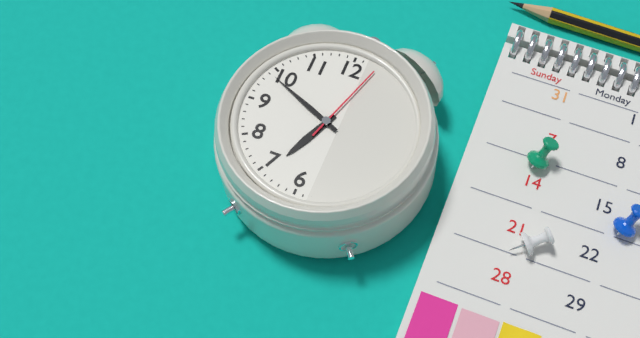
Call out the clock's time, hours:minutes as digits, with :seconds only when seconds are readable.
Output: 6:49:03
